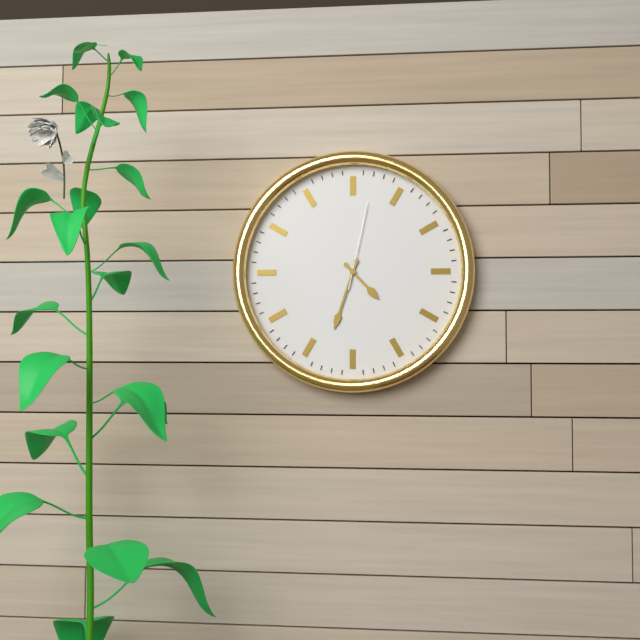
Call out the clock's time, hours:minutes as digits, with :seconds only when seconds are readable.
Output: 4:33:02
